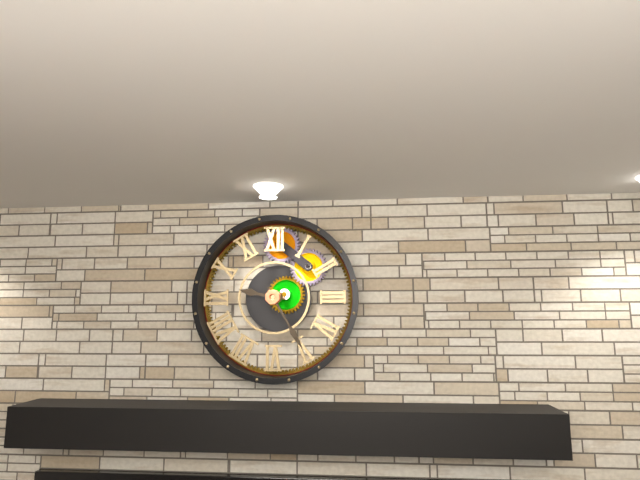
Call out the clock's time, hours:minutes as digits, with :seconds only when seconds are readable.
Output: 9:25
